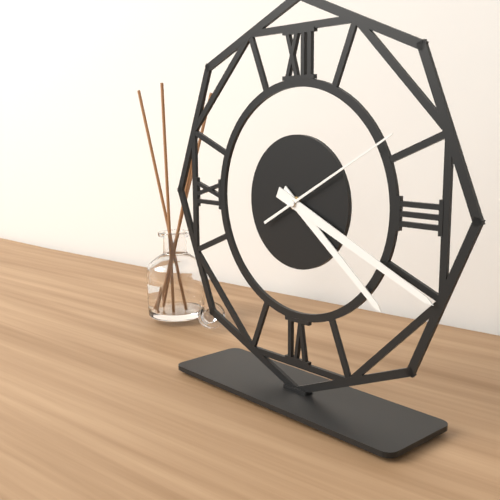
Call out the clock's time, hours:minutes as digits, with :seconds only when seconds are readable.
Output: 4:19:10
